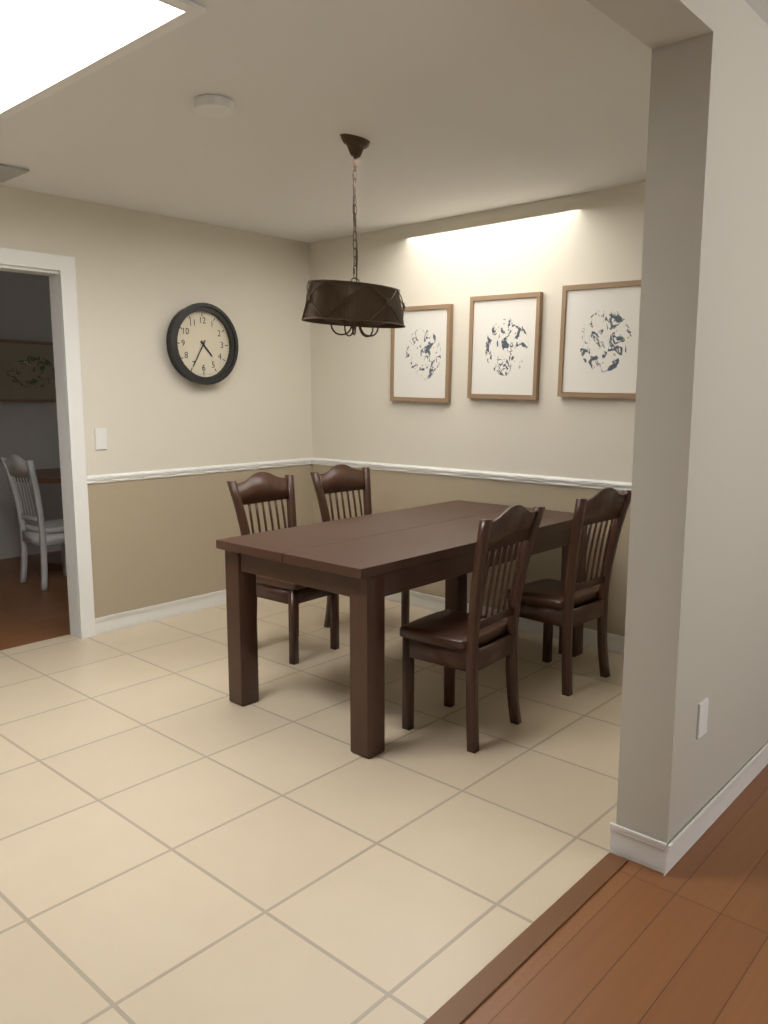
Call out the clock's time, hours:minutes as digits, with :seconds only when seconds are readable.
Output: 4:35
